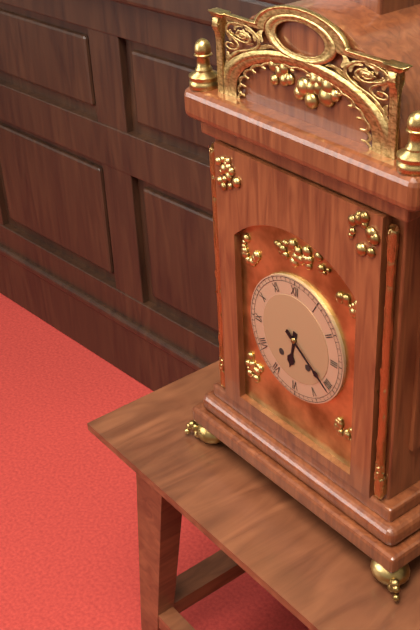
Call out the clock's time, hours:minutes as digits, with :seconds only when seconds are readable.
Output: 6:21
